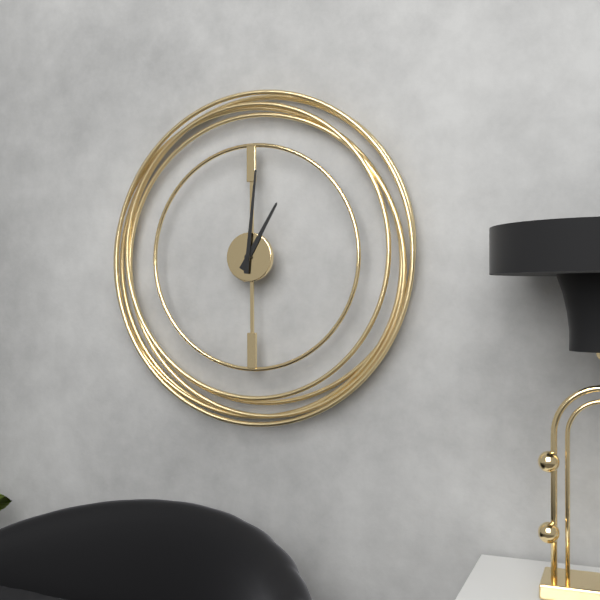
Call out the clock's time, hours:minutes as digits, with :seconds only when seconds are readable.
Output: 1:01
